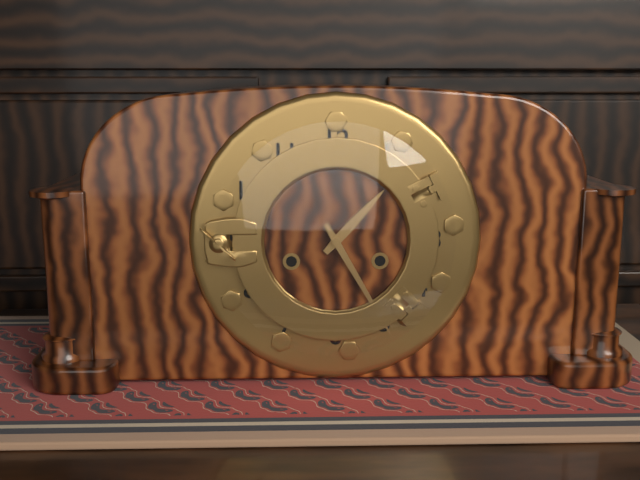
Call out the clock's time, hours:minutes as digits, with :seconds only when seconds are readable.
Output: 1:25
